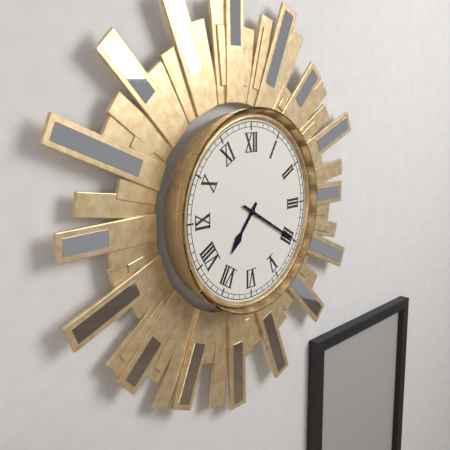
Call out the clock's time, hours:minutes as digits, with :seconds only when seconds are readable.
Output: 7:20
